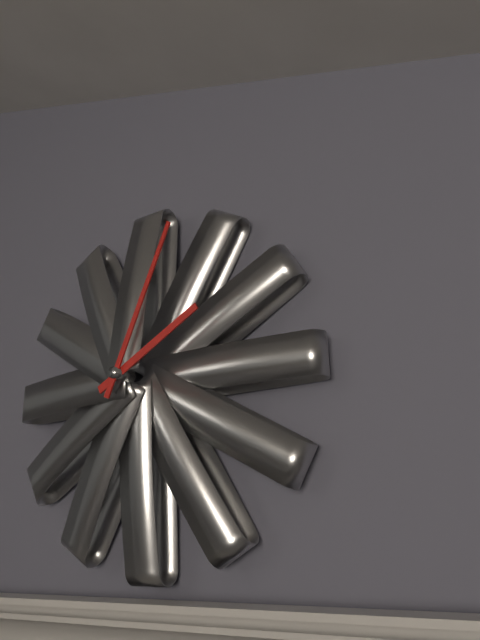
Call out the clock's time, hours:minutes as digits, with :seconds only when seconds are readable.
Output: 2:04
